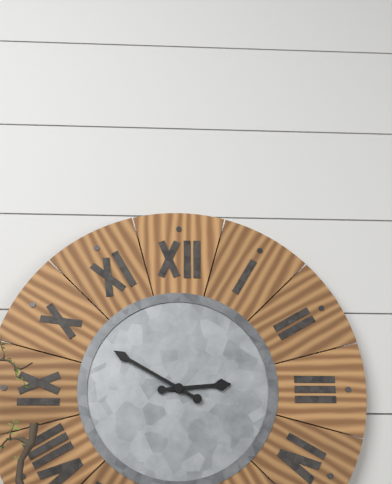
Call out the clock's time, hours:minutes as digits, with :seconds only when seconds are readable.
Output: 2:50
